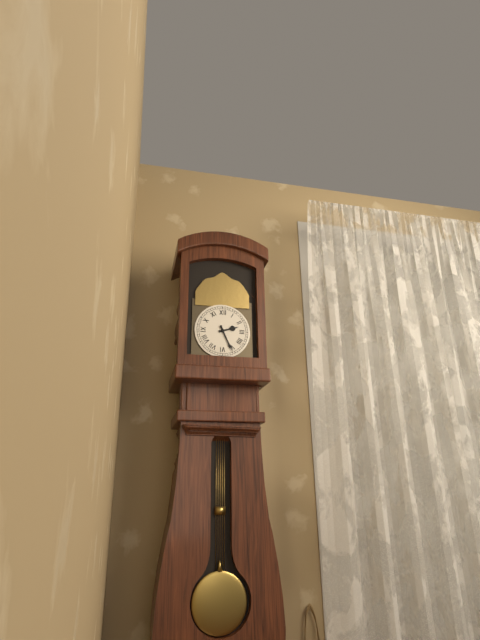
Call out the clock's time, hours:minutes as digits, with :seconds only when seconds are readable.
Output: 2:26
